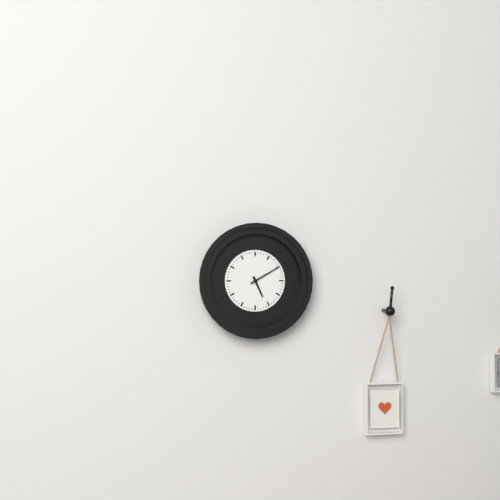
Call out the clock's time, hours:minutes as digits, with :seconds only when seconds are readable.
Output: 5:10
